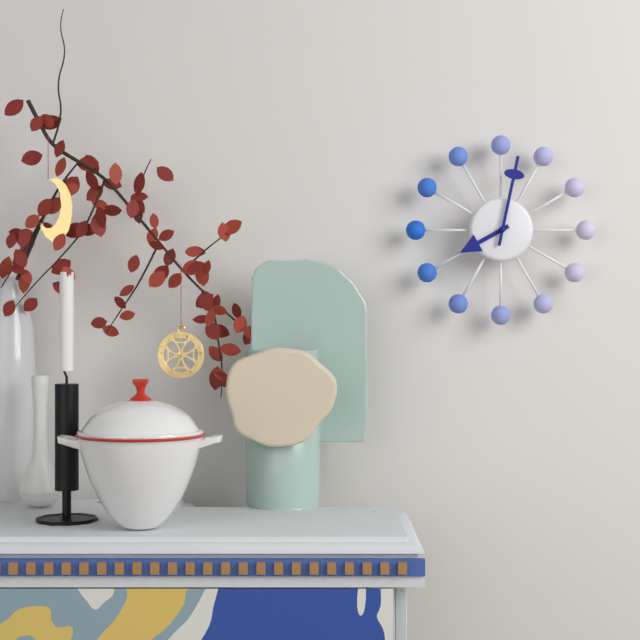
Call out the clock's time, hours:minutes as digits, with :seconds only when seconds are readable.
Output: 8:02
